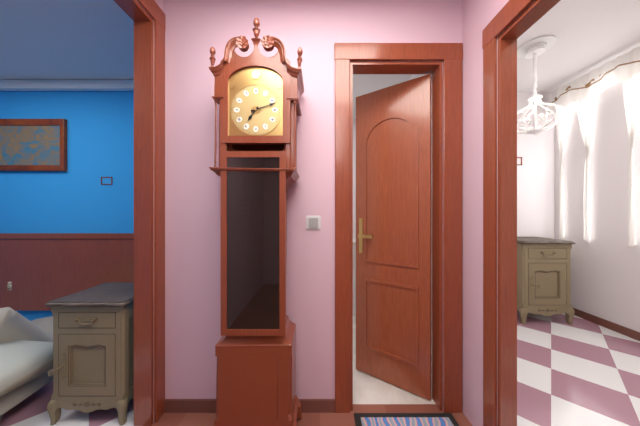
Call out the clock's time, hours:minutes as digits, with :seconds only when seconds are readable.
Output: 7:12
